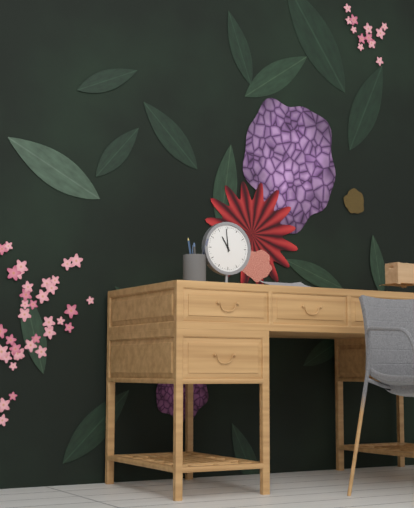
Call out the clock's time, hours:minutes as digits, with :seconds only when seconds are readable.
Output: 10:59
